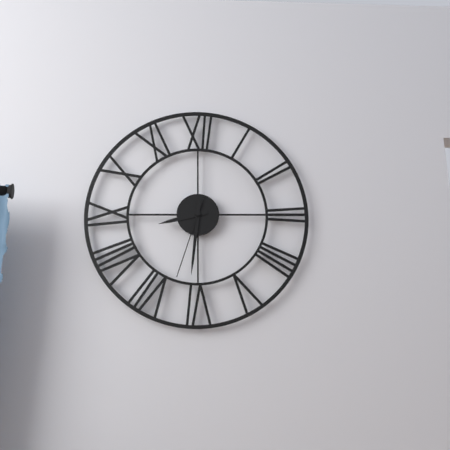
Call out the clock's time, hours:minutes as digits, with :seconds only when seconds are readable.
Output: 8:31:33
